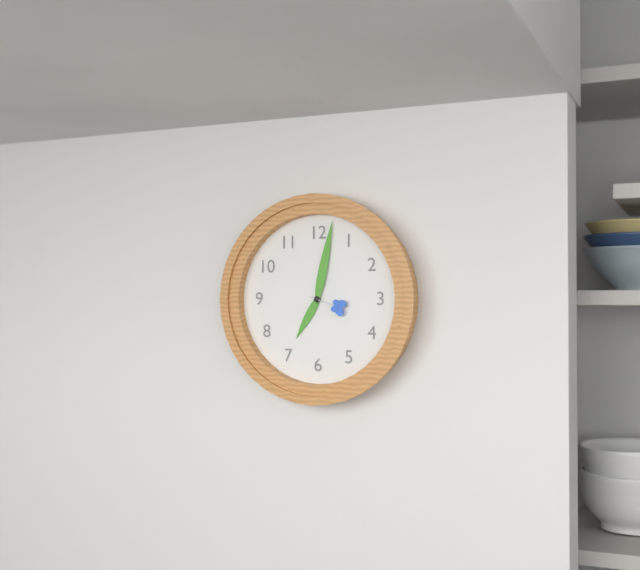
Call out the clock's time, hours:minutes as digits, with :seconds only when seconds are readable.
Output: 7:02
